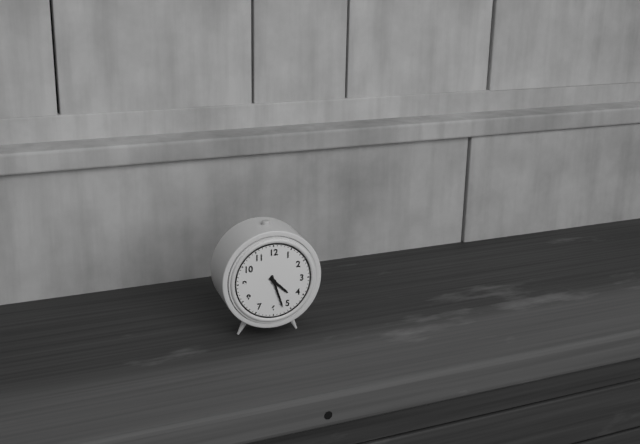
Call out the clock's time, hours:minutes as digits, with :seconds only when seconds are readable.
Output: 4:27
